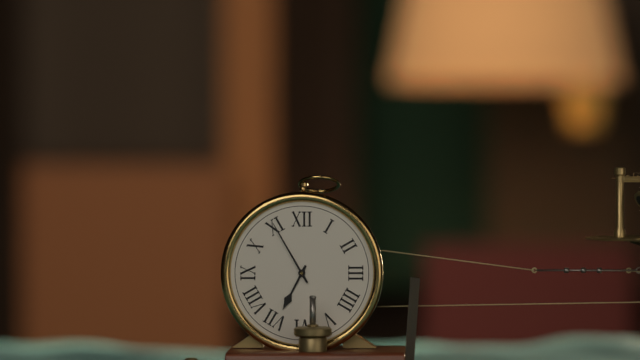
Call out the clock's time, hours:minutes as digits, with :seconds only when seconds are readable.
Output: 6:55
